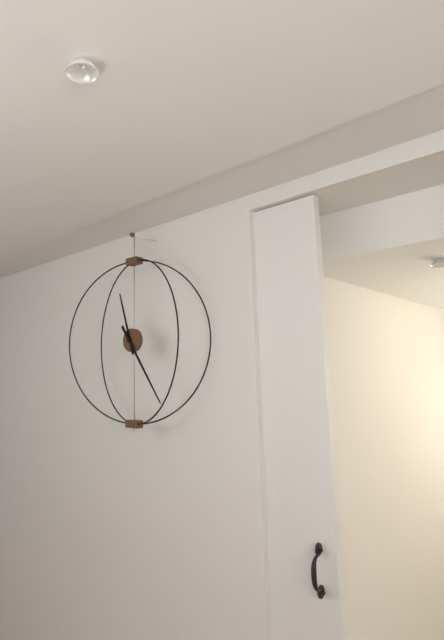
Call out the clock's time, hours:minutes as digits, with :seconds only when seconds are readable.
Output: 11:24
